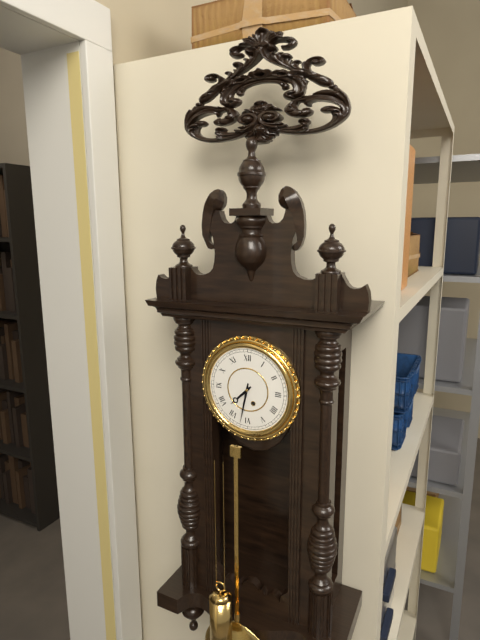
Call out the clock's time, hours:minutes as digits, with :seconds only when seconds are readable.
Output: 7:32
